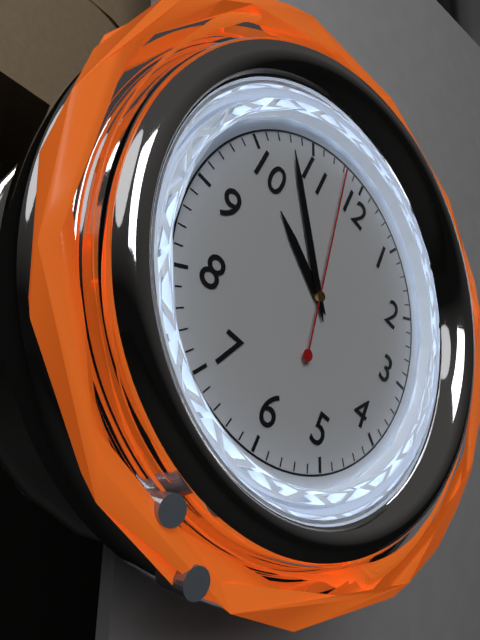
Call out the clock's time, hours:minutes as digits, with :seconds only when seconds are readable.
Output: 9:53:58
